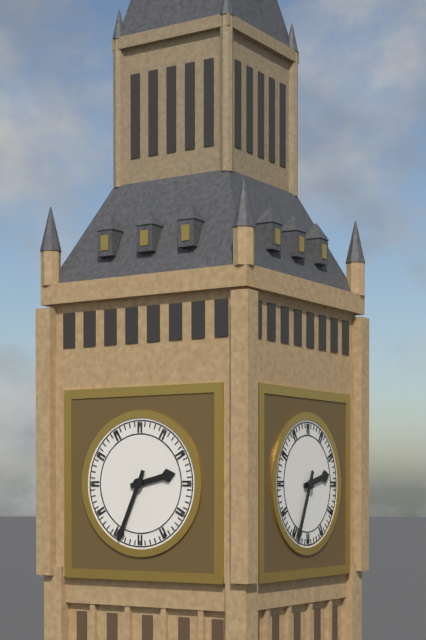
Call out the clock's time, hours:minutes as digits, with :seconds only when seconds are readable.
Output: 2:34
